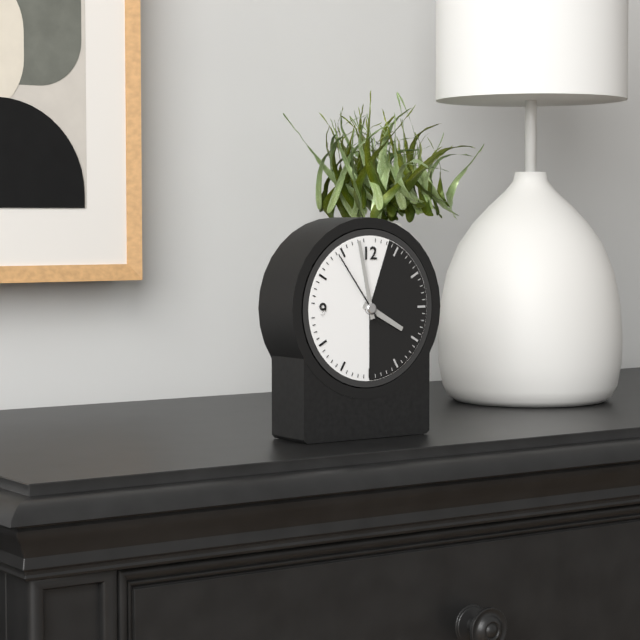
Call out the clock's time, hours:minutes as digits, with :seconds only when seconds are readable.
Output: 3:58:54
